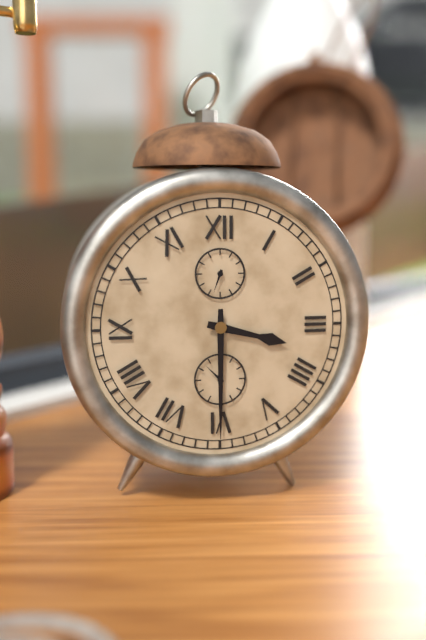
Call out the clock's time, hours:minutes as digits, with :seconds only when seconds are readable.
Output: 3:30
